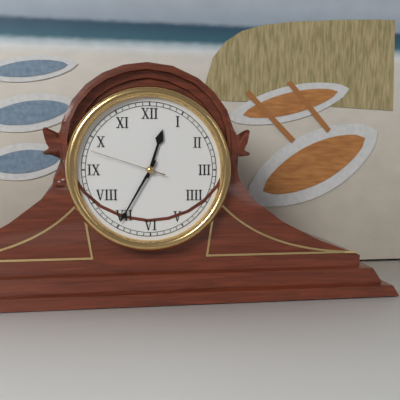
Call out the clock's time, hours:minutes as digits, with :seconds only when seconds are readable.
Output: 12:35:48
